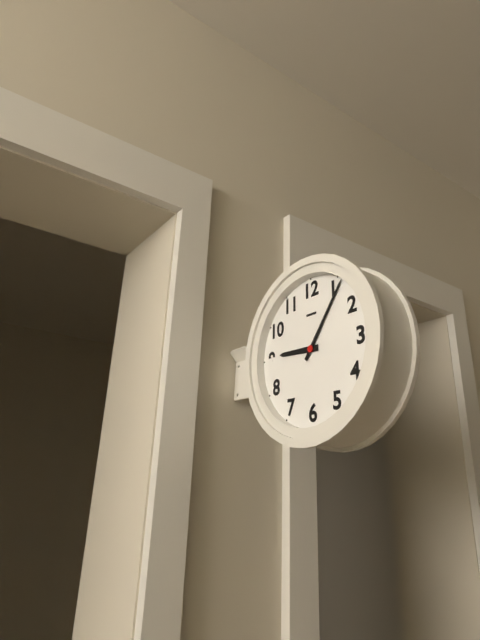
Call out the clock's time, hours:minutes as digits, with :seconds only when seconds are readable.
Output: 9:06
